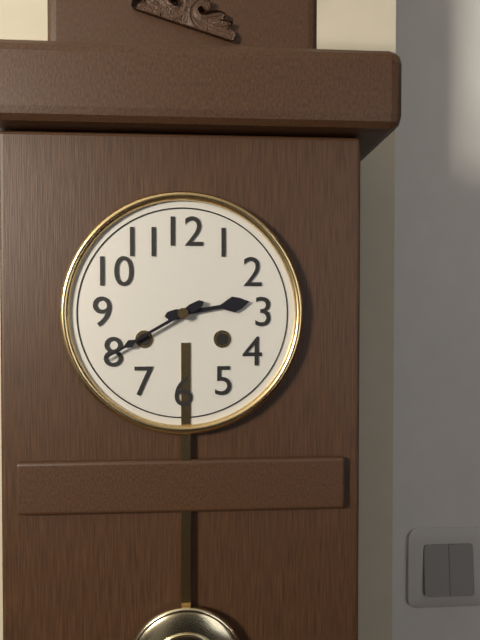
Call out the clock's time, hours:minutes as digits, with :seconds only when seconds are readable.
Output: 2:40
